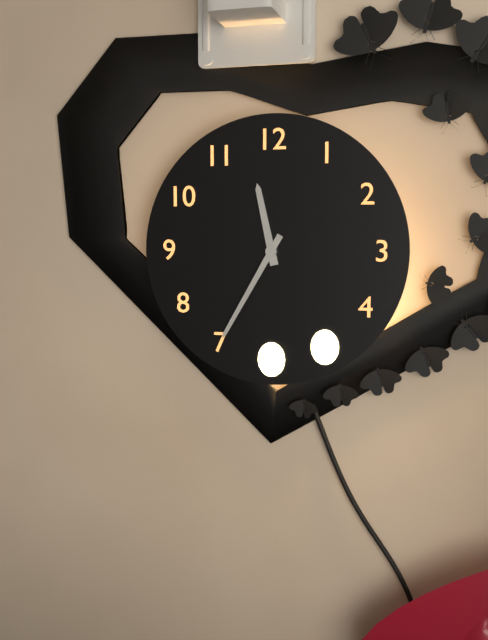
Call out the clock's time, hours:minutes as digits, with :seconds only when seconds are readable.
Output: 11:35
